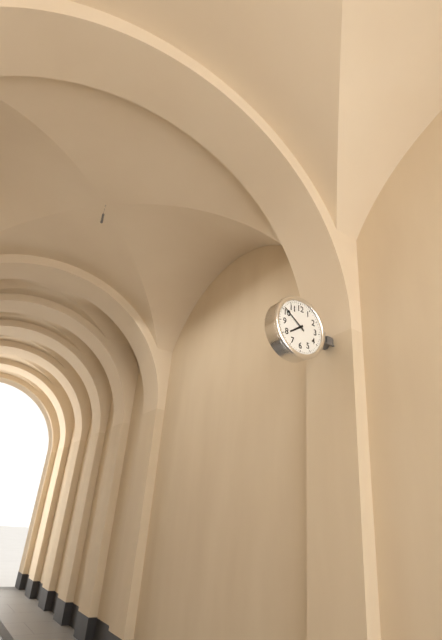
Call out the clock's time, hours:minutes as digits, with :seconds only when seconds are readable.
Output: 7:51
